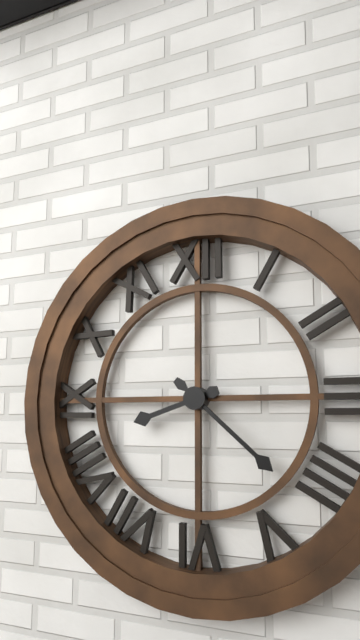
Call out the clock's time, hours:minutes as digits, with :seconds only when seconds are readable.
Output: 8:22
